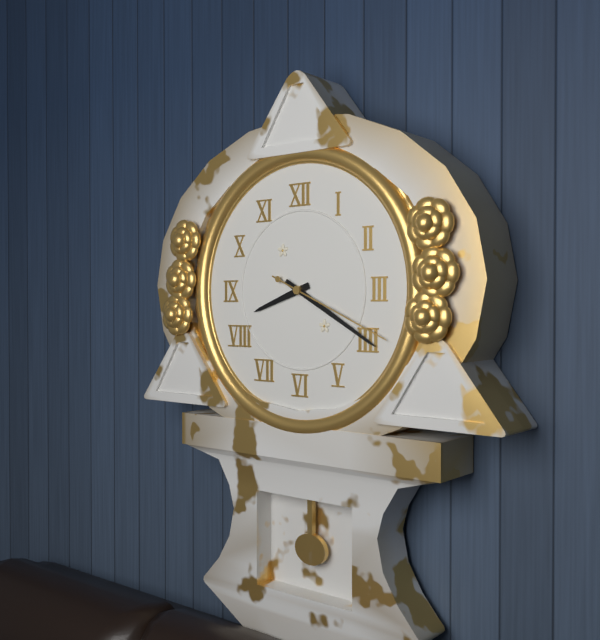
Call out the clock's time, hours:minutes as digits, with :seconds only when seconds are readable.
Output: 8:20:19
